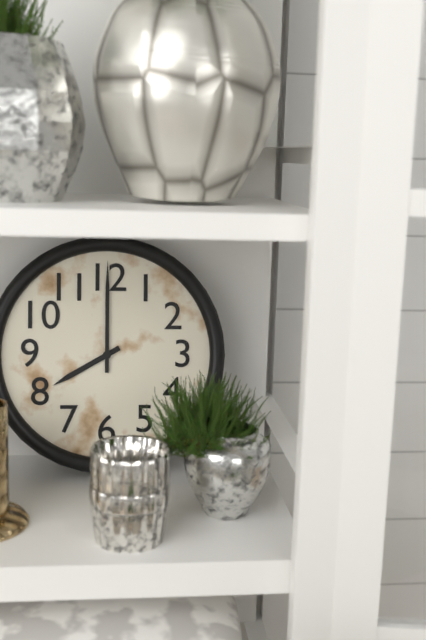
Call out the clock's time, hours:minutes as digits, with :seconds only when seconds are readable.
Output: 8:00
